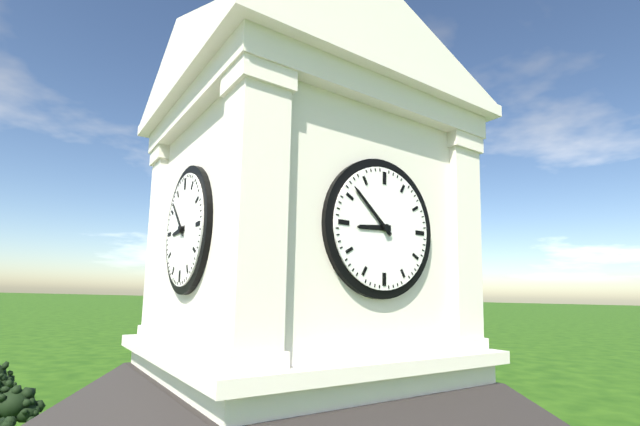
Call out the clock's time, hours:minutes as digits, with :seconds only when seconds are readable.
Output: 8:52
